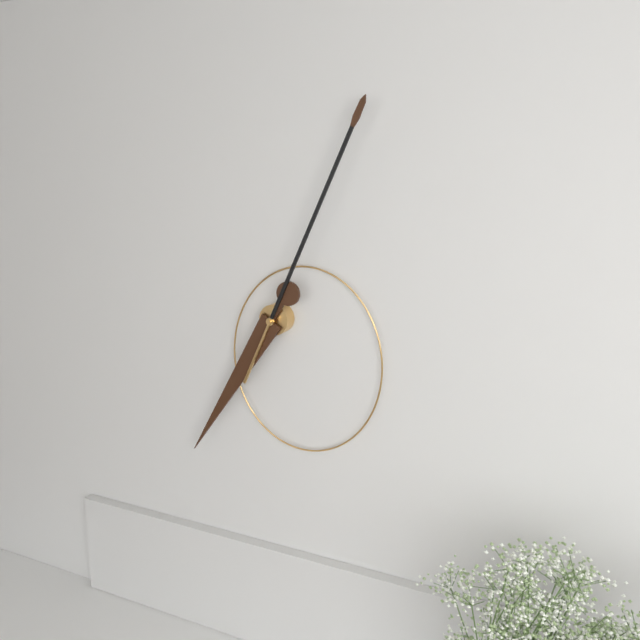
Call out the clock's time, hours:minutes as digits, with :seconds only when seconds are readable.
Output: 7:04
